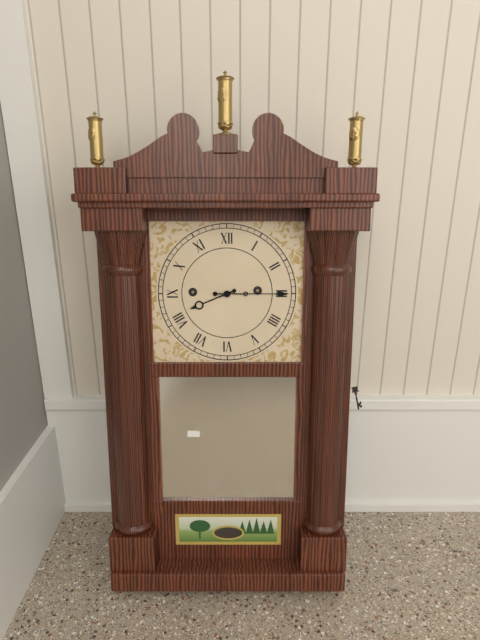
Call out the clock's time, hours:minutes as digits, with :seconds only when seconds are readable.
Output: 8:15
